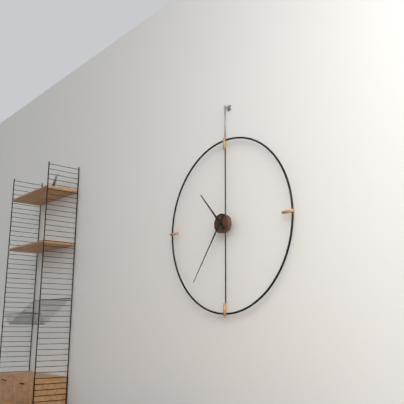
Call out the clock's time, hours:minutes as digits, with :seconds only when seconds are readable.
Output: 10:36
